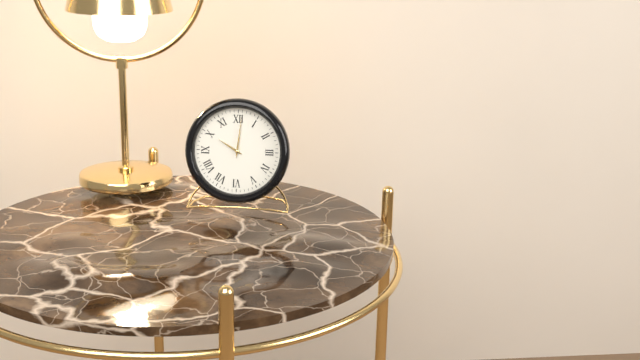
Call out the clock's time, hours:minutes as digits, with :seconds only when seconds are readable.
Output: 10:01
